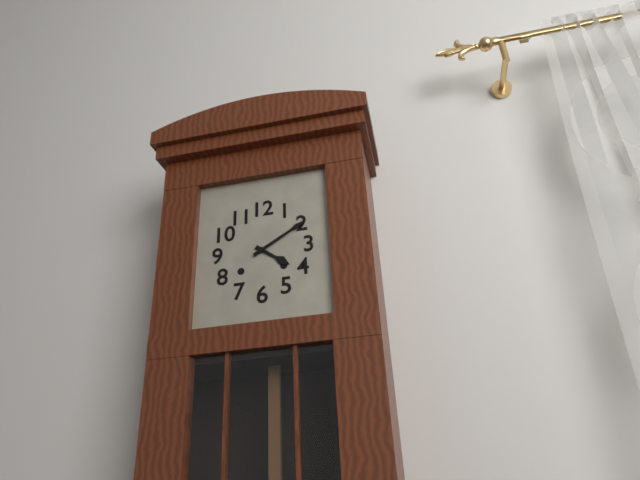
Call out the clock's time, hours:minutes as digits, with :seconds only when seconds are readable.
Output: 4:10
